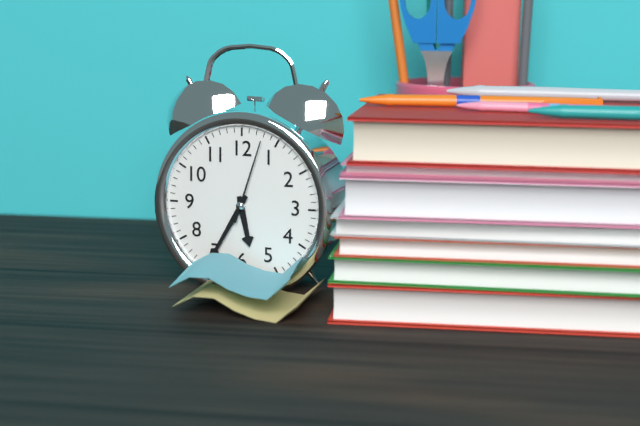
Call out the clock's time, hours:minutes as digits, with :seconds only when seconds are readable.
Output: 5:35:03
